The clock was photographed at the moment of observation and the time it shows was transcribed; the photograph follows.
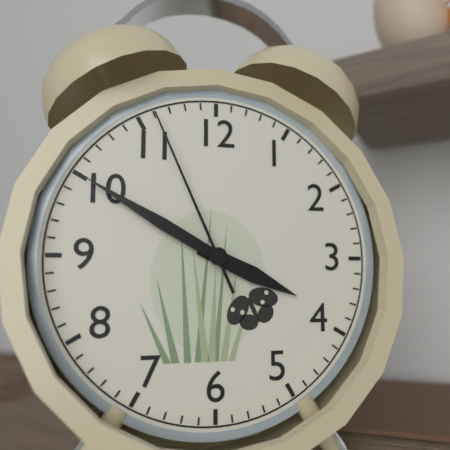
3:50:56
